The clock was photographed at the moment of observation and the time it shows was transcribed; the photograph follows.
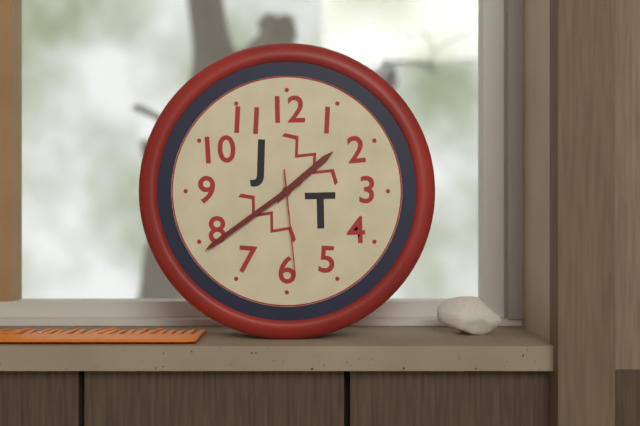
1:39:29
